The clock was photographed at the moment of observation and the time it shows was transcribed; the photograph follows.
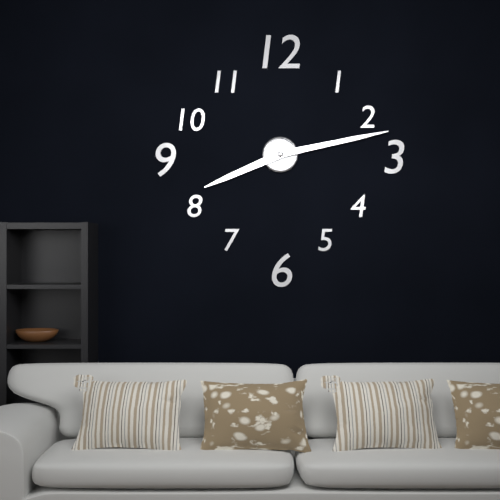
8:13
